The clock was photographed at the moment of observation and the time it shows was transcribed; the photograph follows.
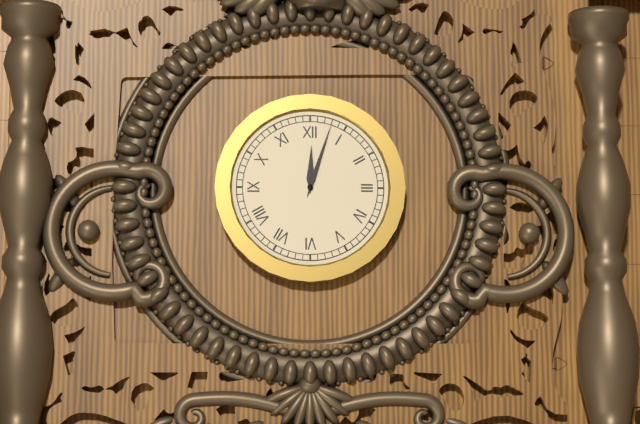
12:03
